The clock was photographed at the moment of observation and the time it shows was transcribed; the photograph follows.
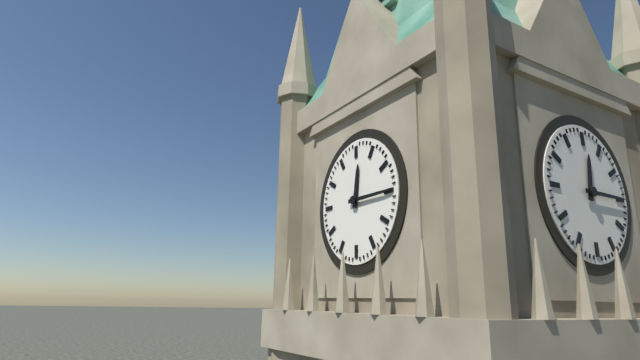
12:15
